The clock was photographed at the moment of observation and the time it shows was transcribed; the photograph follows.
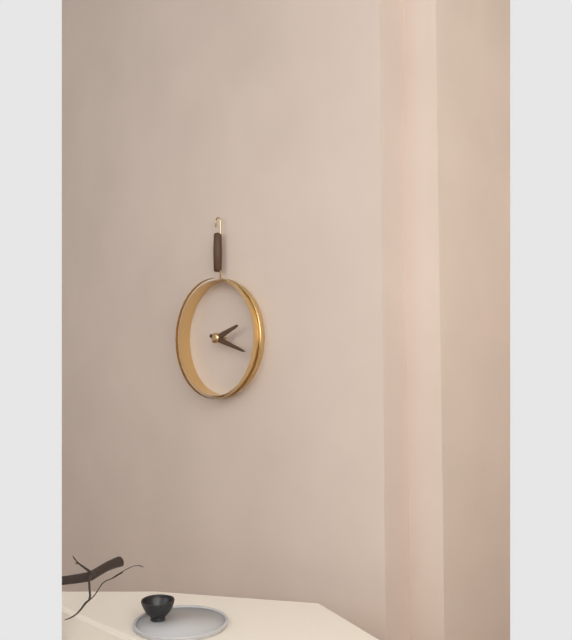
2:18
